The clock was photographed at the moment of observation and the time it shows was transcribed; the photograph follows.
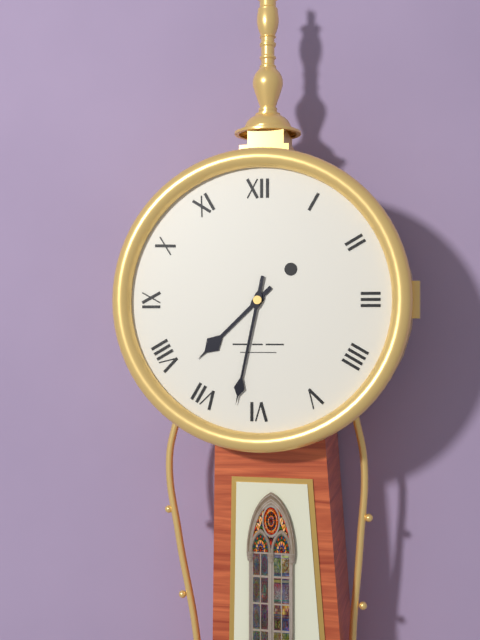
7:32
